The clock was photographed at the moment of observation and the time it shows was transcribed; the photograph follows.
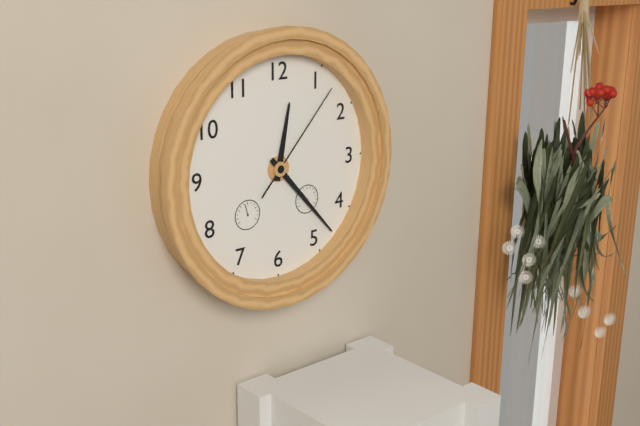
12:23:07
